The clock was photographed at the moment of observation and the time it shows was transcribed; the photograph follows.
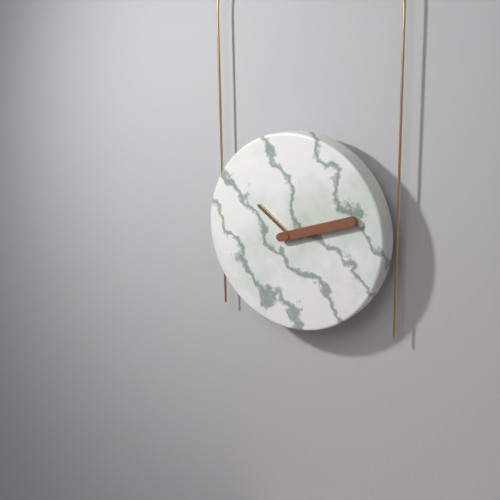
10:12
